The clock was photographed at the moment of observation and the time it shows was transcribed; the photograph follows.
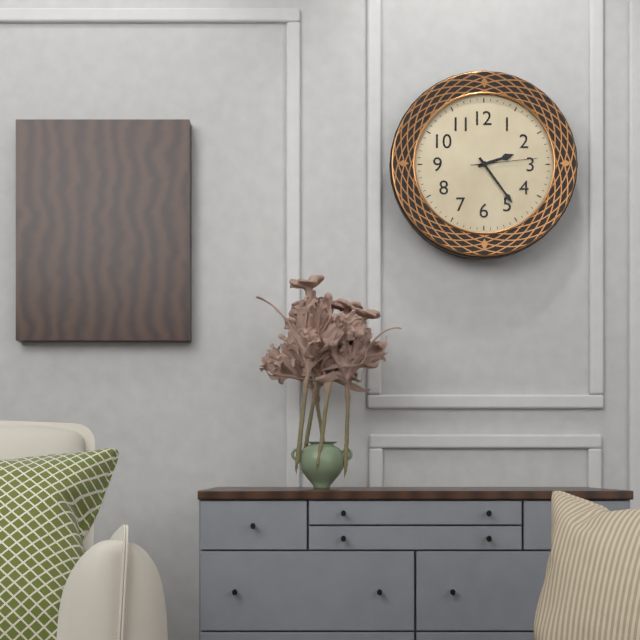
2:24:14
